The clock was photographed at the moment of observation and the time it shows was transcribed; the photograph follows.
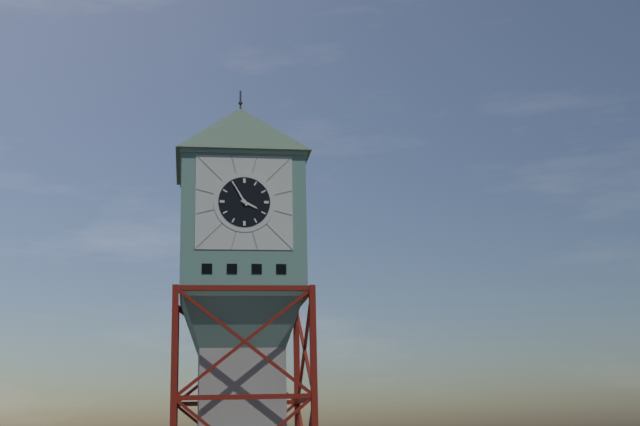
3:55
